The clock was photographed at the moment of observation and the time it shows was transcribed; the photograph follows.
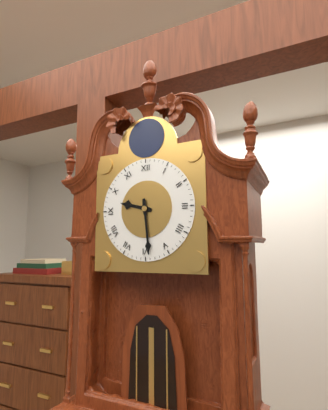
9:29
